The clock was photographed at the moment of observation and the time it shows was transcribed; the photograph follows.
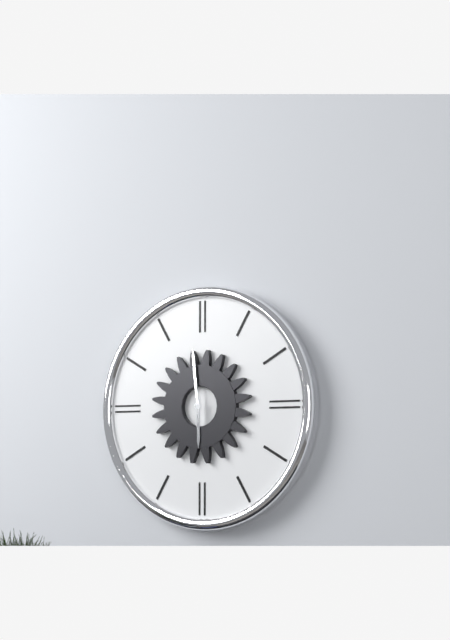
5:59
